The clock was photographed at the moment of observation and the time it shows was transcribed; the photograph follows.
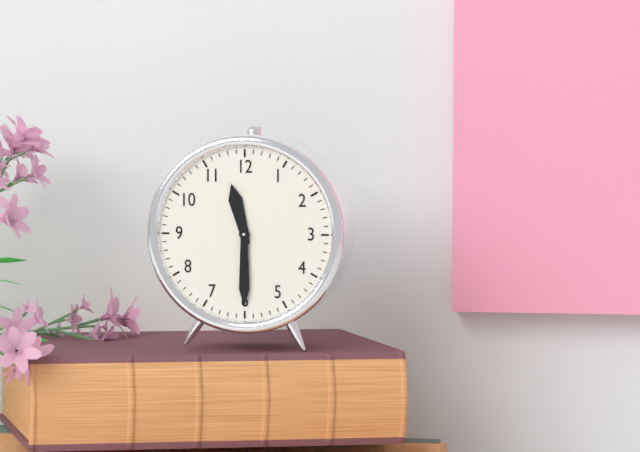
11:30
